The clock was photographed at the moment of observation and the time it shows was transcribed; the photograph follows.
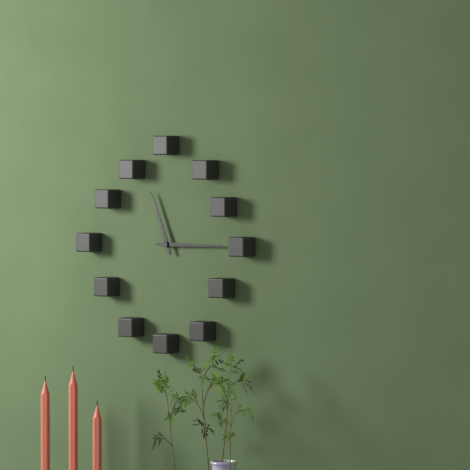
11:15
